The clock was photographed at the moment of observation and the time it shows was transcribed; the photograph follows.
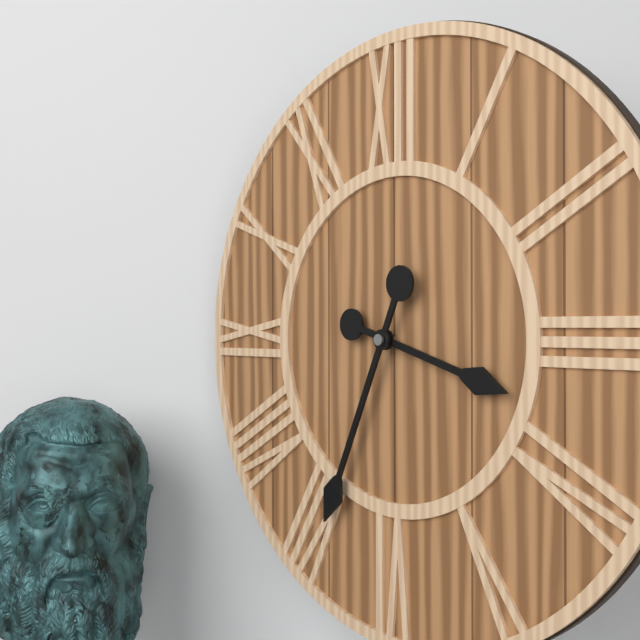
3:34
